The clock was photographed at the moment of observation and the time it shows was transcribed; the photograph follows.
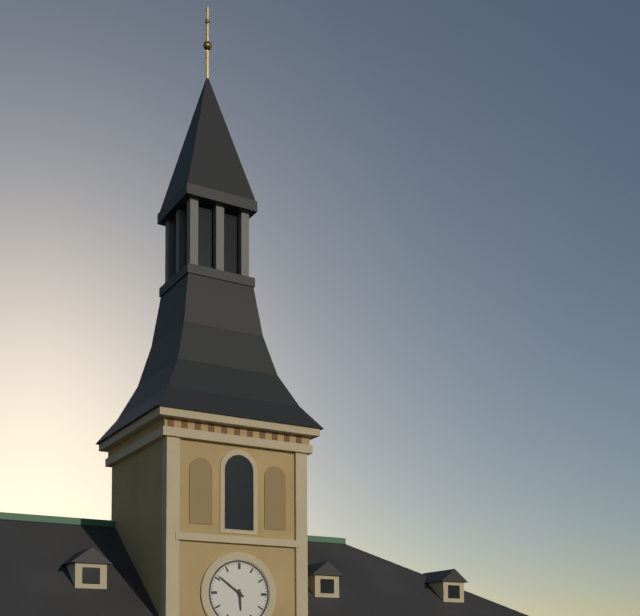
5:51
